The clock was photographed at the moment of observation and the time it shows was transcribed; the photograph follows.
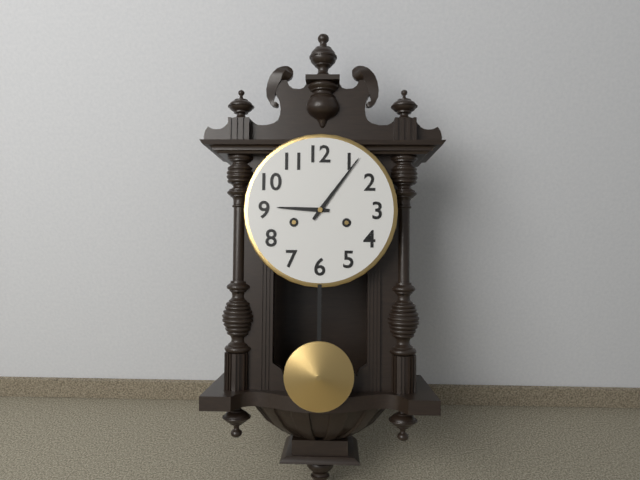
9:06
